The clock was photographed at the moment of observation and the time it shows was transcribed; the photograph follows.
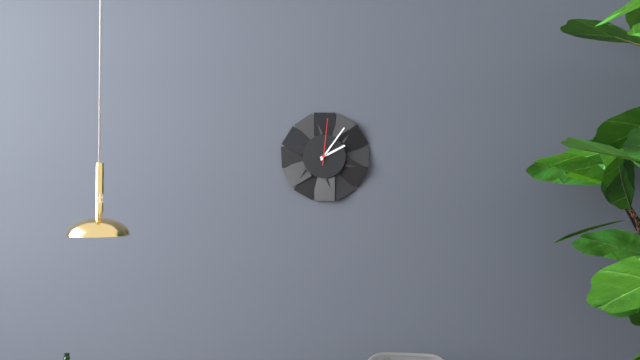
2:06
